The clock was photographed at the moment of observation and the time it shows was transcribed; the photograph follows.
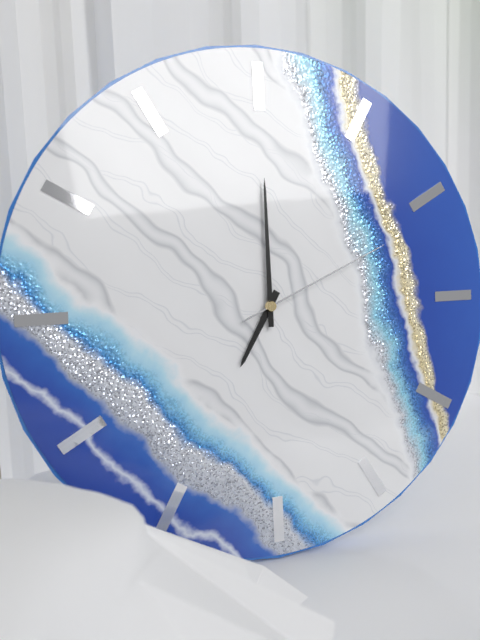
7:00:11
